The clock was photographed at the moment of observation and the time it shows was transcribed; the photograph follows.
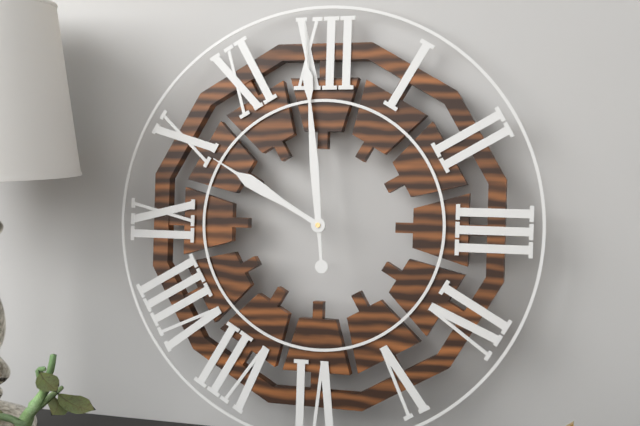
9:59
